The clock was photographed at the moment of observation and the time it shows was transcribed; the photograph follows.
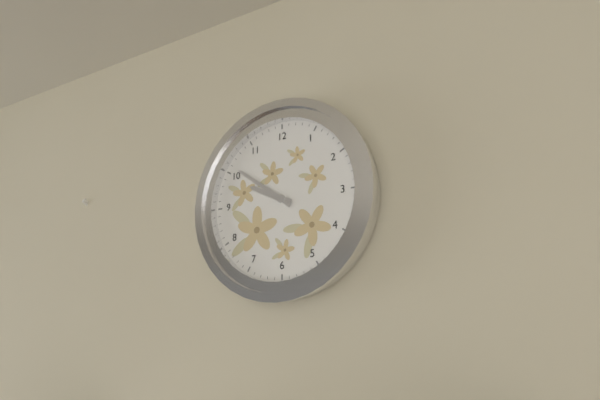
9:51
